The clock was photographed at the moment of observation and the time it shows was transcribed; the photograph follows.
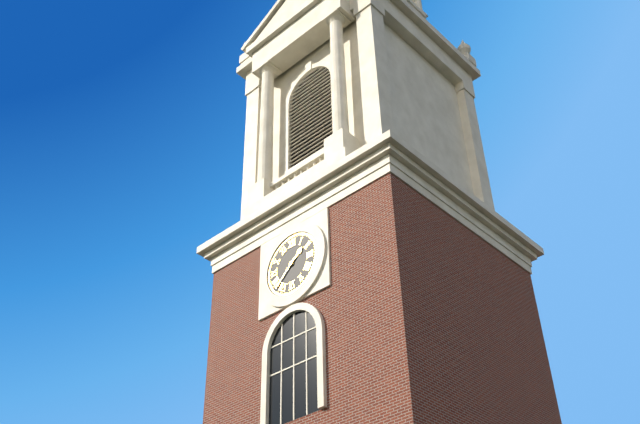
1:38
